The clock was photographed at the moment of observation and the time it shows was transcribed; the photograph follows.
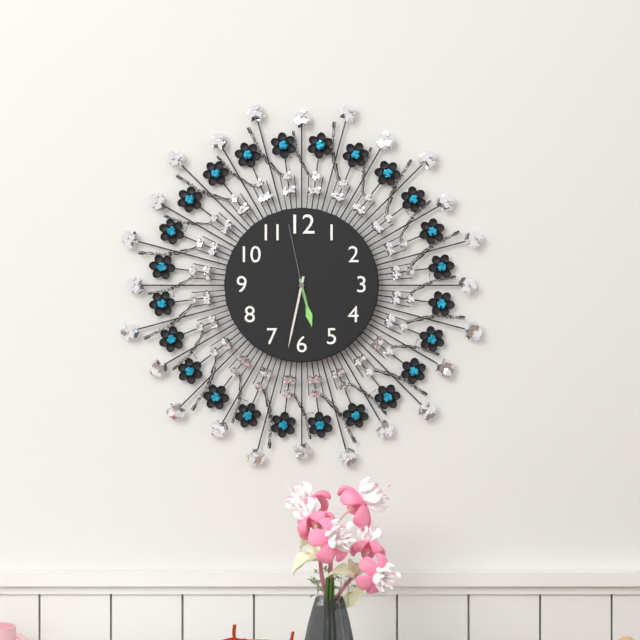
5:32:58
